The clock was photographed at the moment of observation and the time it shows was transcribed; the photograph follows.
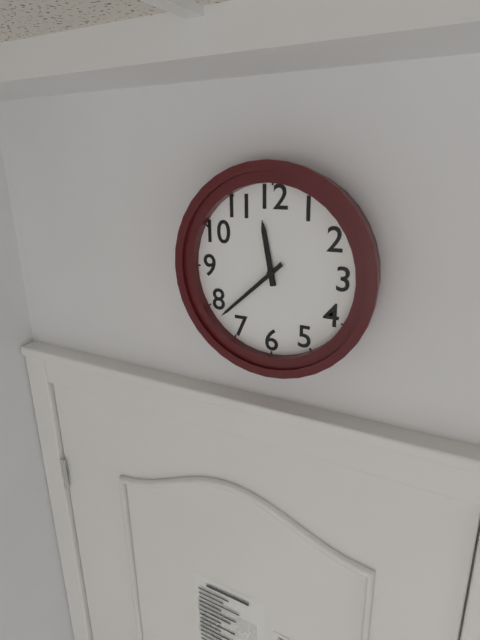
11:38
